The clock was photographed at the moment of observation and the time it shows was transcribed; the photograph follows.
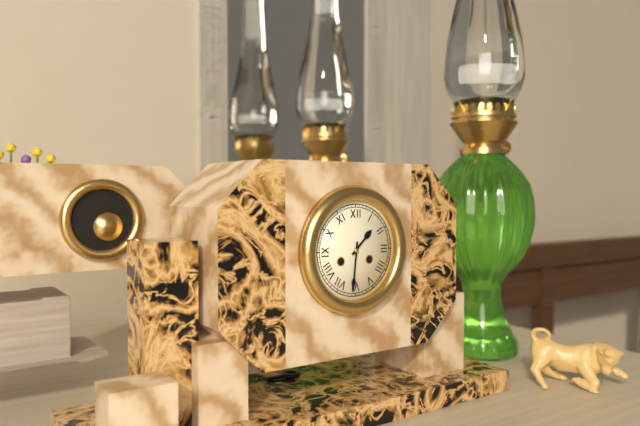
1:31
